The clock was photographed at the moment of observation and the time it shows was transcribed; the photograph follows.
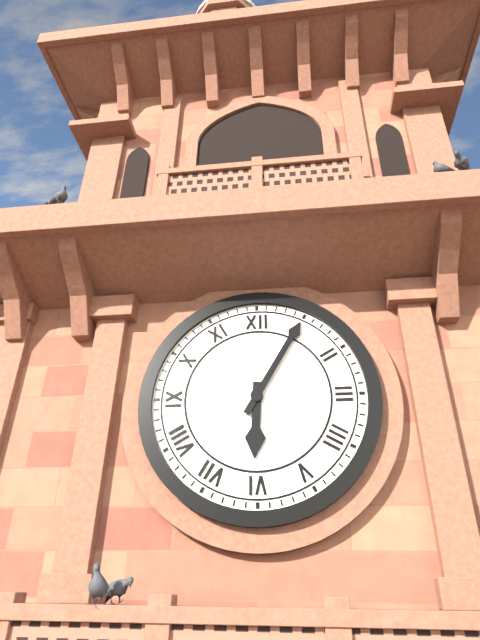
6:05
